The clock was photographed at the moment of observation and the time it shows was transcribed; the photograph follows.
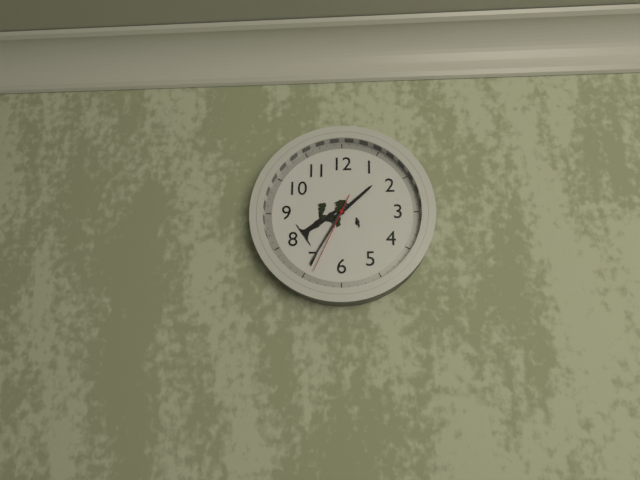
1:35:34
